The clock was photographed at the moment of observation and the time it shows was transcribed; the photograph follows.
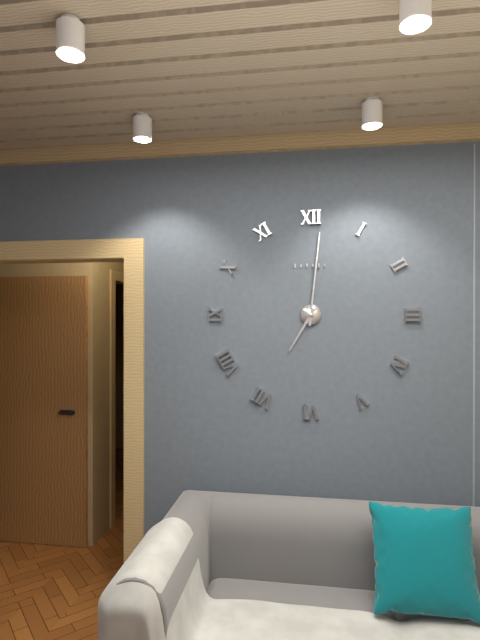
7:01
